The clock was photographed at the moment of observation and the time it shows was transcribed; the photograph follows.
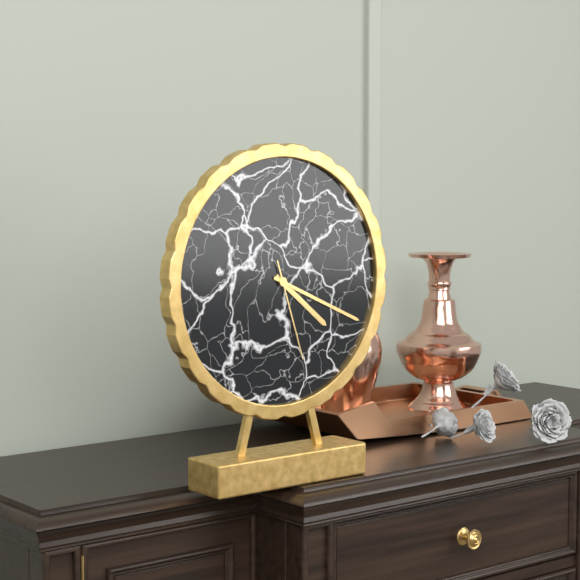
4:19:27
